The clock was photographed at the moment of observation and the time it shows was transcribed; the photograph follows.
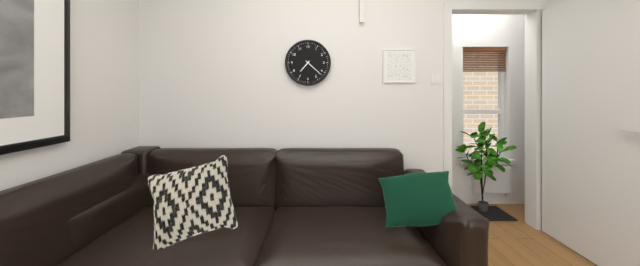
7:22
